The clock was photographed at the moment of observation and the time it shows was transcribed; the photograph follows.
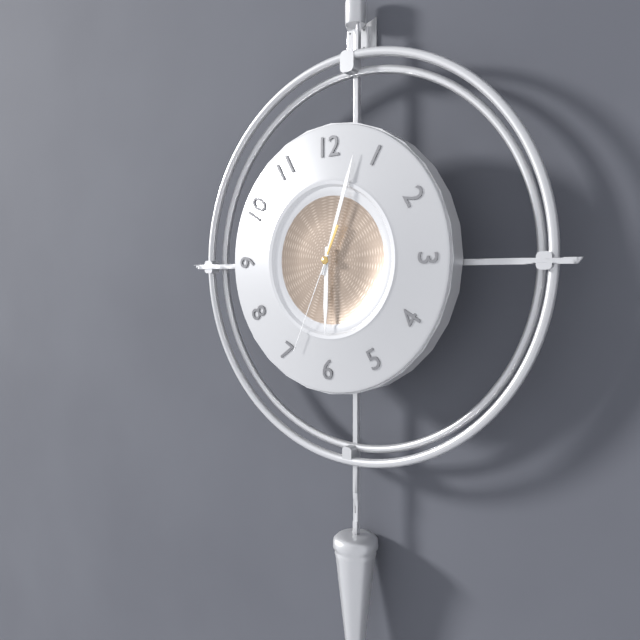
6:03:34
